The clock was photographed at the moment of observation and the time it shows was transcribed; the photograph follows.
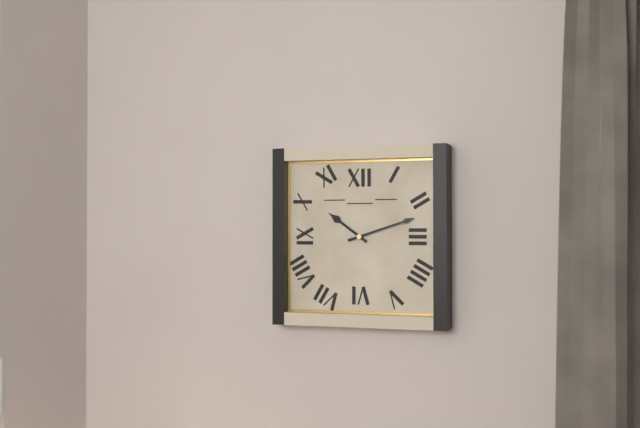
10:12
